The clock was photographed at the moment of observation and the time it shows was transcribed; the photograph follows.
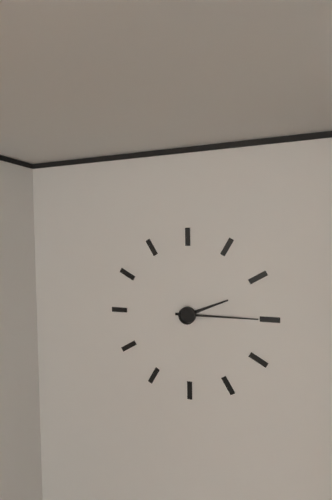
2:15
